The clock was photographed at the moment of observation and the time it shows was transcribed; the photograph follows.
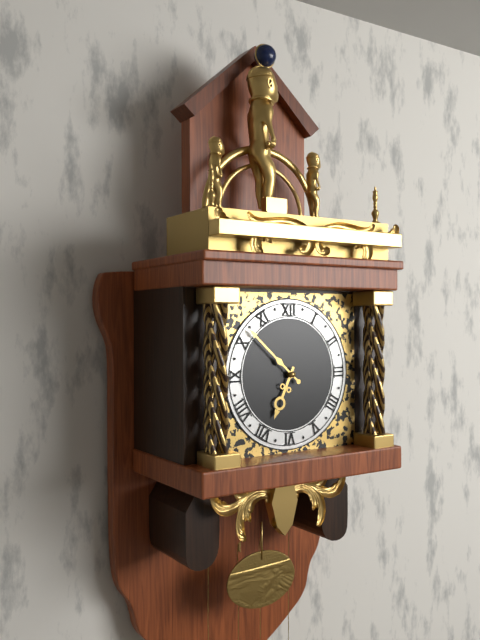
6:52
